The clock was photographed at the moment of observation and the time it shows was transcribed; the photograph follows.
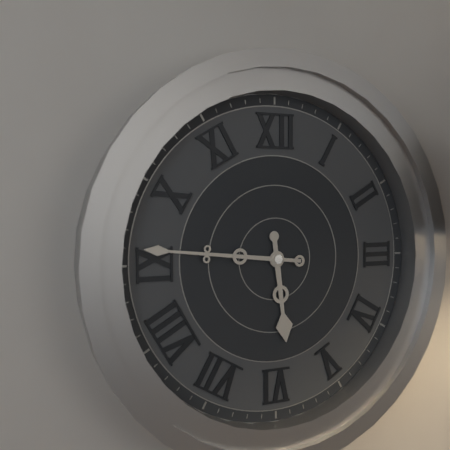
5:46
